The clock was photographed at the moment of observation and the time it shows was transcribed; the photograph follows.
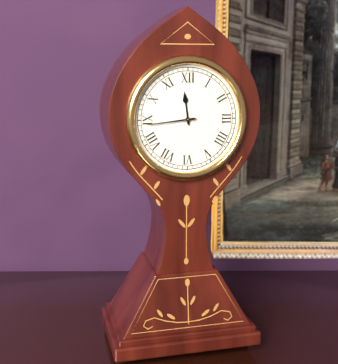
11:44
